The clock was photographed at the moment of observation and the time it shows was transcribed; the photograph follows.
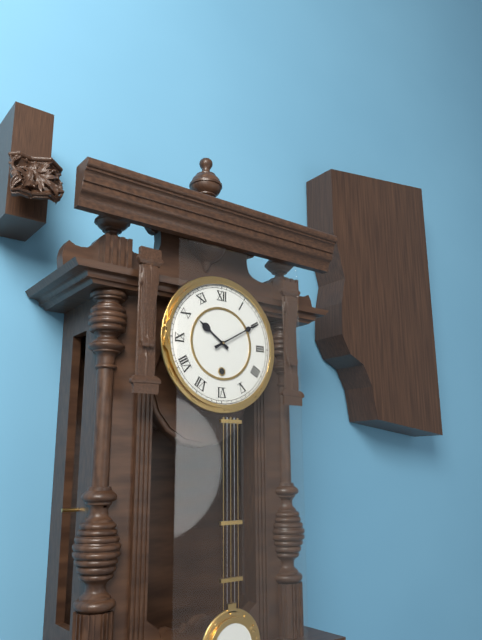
10:10
